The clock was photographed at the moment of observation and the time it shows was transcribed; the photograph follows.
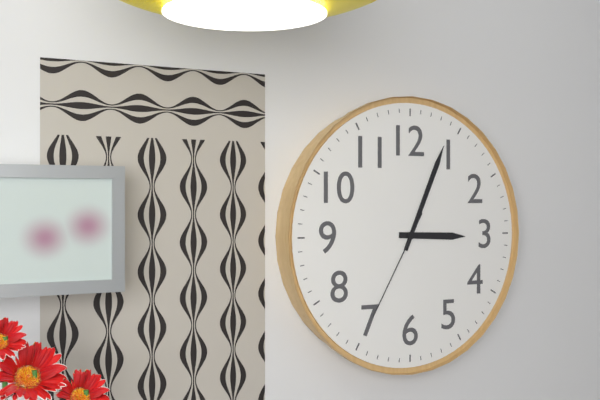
3:04:35
